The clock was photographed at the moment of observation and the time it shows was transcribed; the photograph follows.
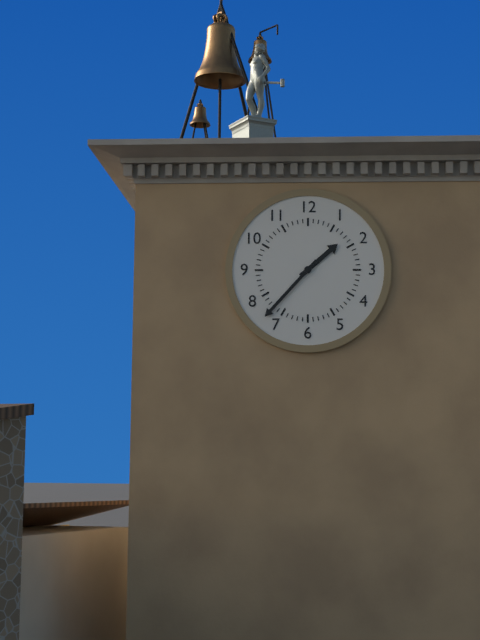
1:37
